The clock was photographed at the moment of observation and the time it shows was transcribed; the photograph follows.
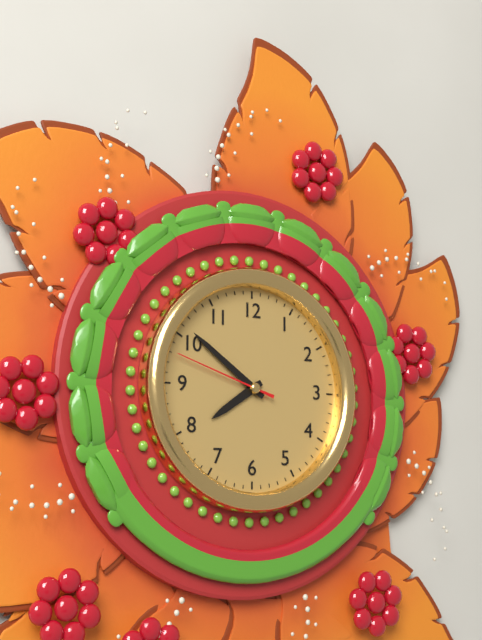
7:51:48
